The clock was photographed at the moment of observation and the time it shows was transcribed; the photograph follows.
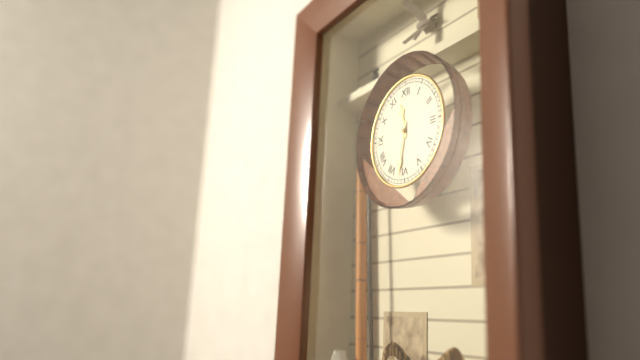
11:32
